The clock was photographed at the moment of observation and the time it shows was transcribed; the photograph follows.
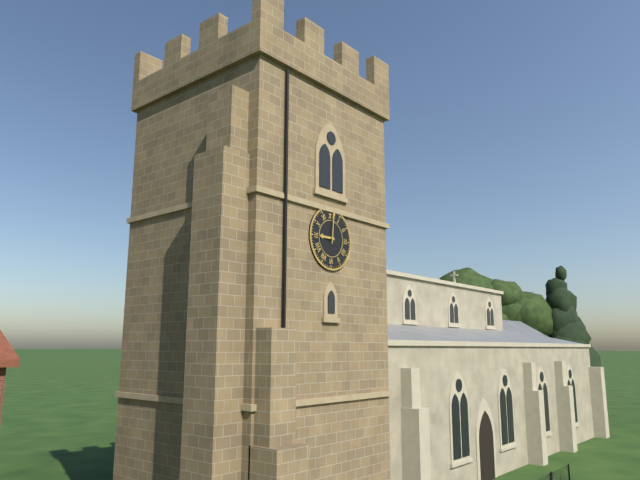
9:01
